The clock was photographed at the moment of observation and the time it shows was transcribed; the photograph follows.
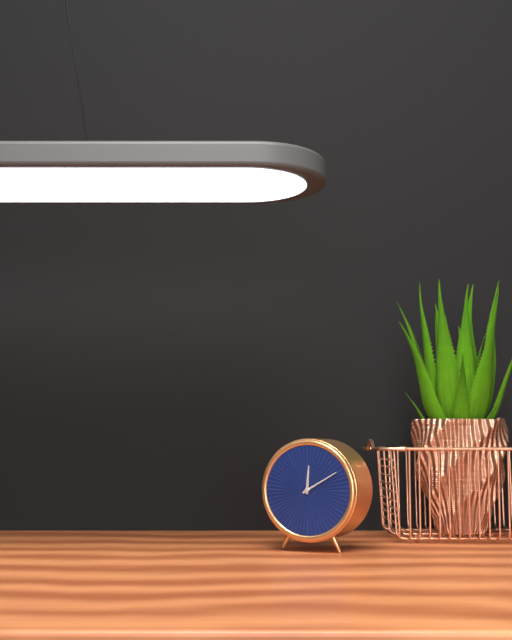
12:10
